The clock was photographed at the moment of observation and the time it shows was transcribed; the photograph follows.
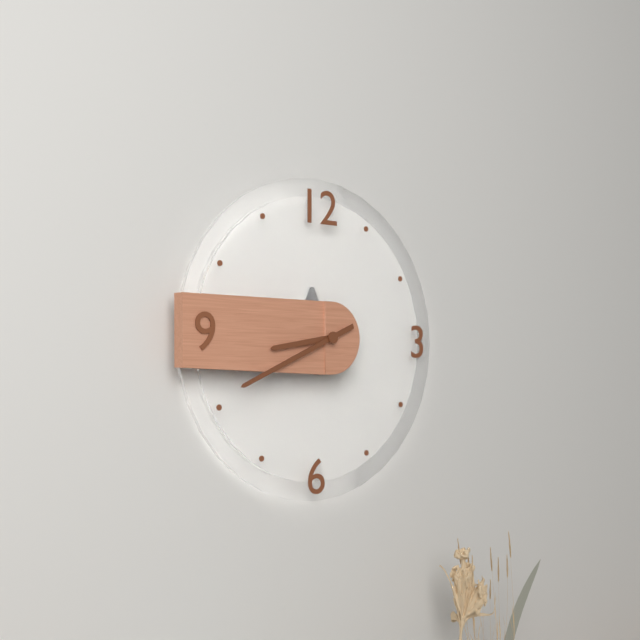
8:41
